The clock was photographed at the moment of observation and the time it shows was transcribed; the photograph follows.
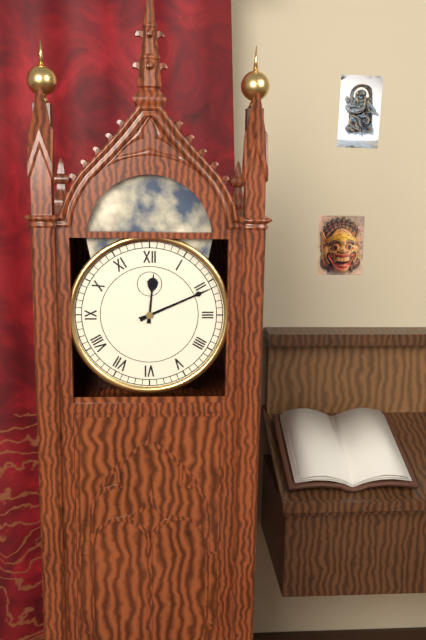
12:11
